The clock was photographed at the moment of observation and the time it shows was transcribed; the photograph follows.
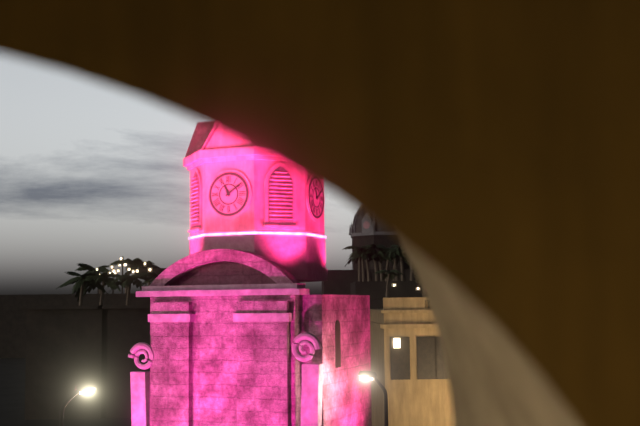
11:09
